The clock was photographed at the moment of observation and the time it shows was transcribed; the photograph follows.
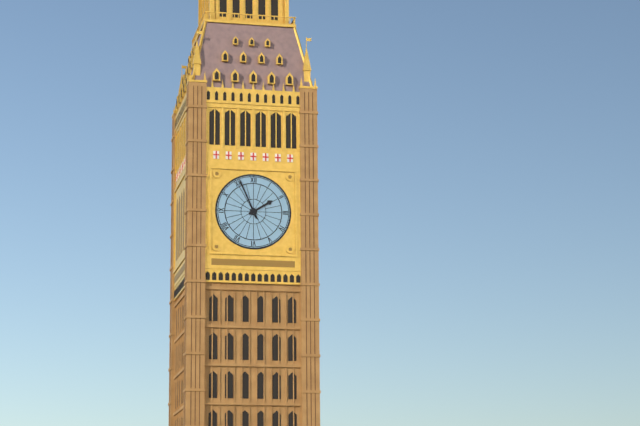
1:56
